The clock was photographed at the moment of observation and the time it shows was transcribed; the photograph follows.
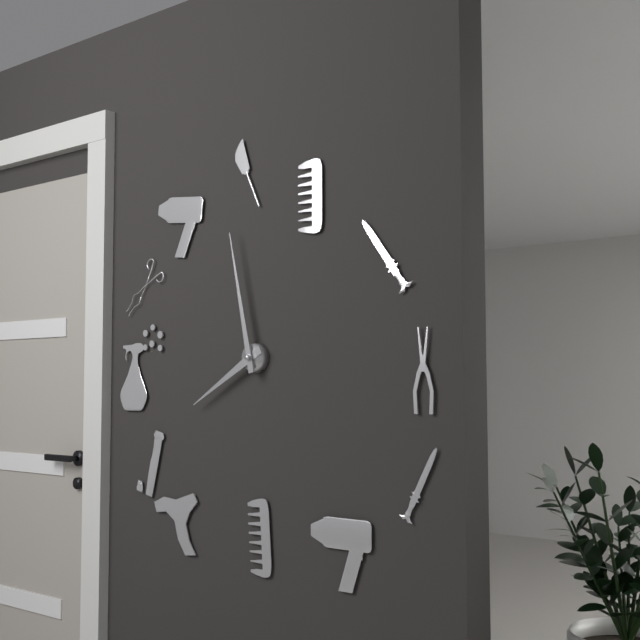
7:58
